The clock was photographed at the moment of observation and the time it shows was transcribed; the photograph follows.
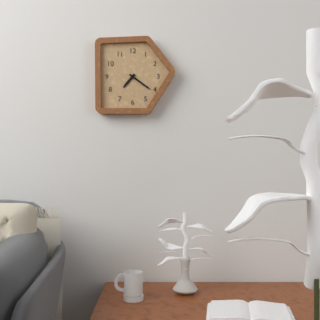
7:21
